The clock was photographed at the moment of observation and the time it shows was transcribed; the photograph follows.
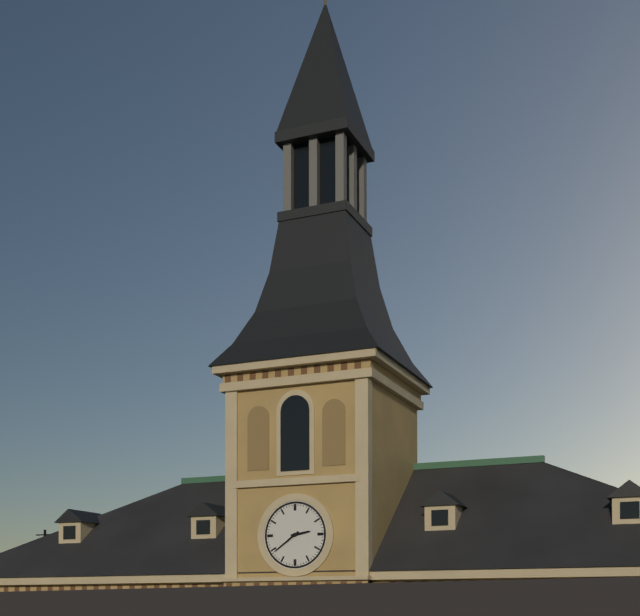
2:39
